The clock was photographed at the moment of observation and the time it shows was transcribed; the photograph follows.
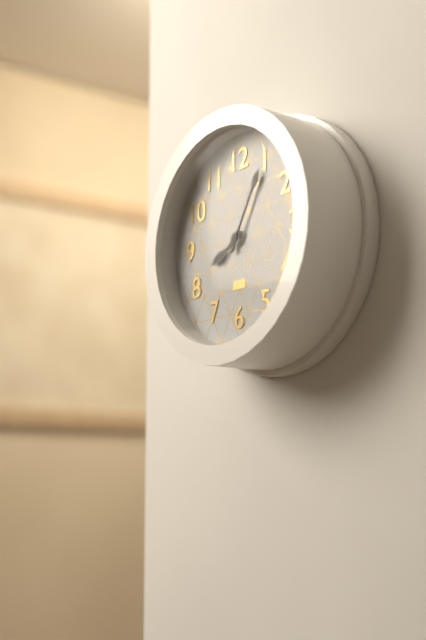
8:05
